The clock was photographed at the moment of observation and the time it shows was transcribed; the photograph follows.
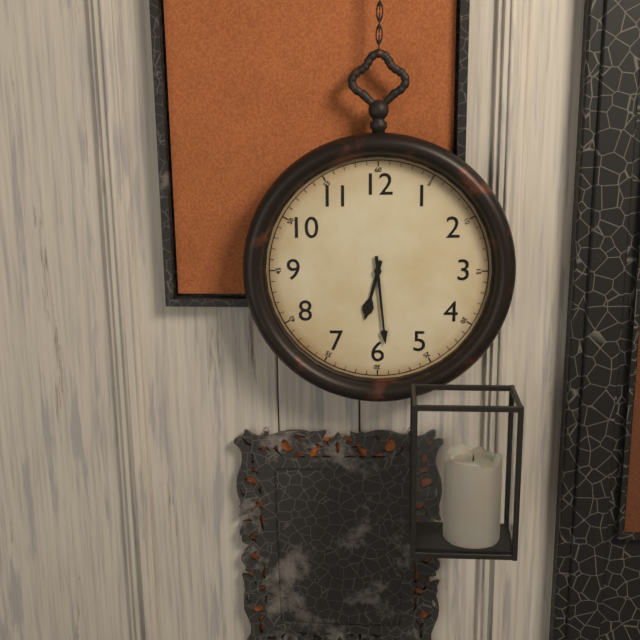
6:29
